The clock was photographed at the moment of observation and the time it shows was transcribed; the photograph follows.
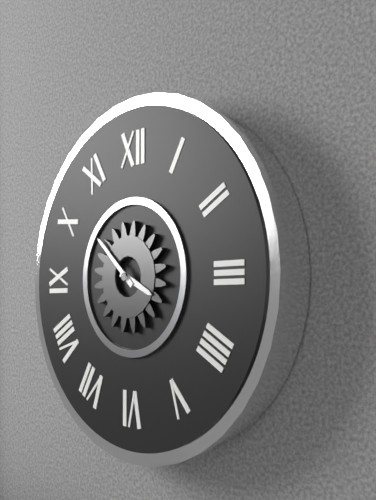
3:52
